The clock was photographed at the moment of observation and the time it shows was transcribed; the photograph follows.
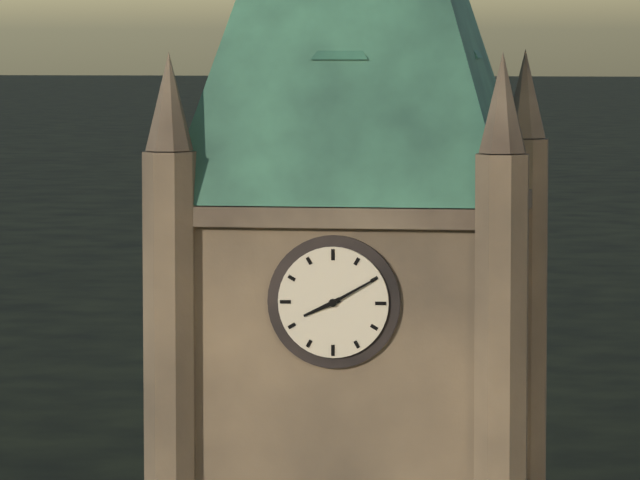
8:10
